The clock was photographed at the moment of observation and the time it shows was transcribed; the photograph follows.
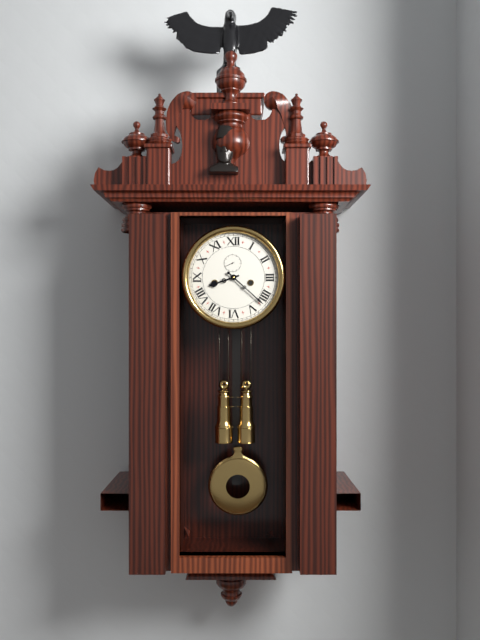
8:22
